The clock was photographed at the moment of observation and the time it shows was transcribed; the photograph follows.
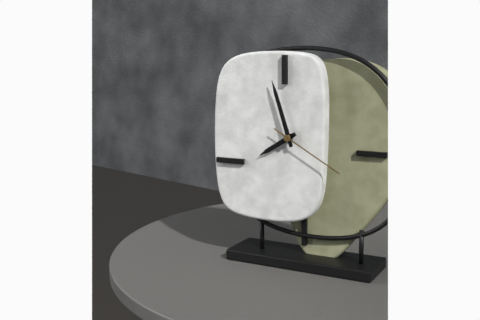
7:57:20
